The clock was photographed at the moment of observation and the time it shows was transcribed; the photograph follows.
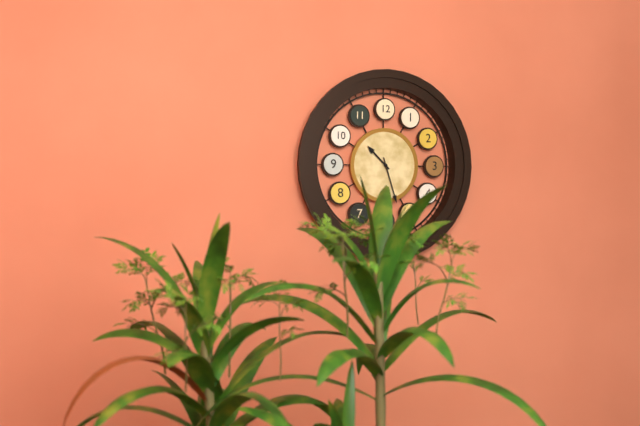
10:27
